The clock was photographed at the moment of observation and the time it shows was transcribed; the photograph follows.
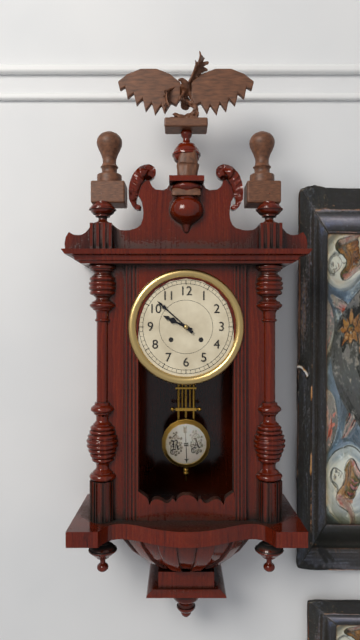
9:52
